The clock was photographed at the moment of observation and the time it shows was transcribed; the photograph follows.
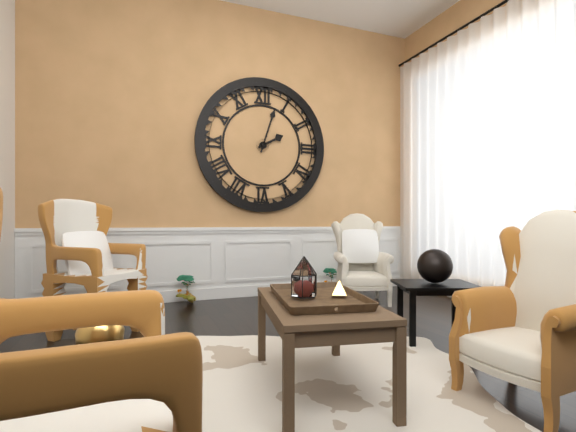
2:03
